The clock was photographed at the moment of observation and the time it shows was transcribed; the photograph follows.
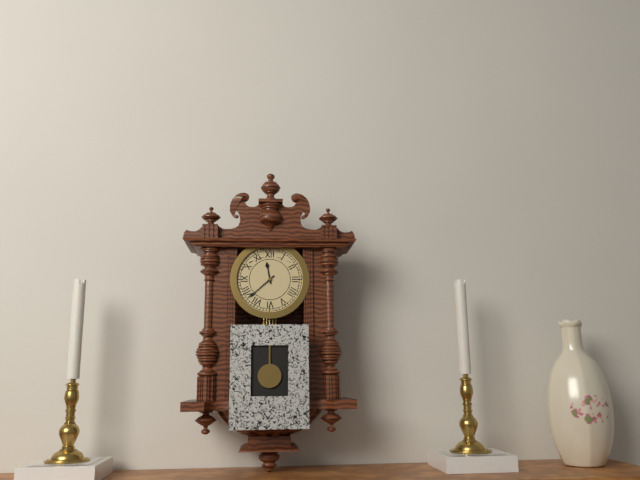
11:38
